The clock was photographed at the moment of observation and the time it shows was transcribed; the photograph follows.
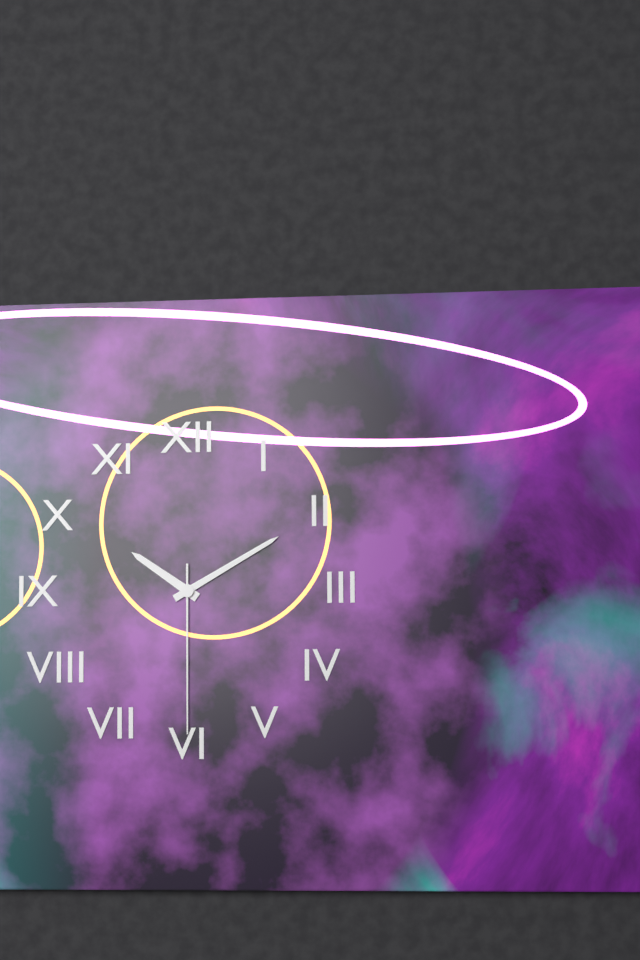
10:10:30
